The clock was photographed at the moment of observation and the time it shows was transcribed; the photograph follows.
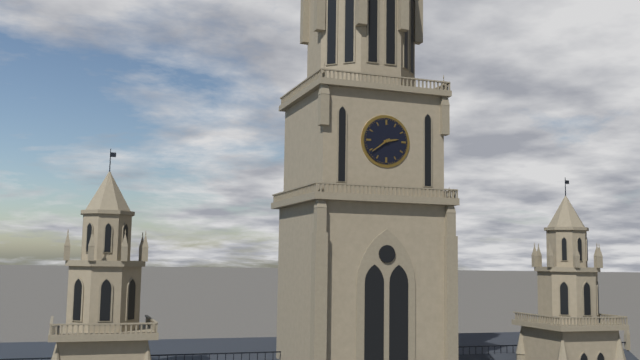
2:39
